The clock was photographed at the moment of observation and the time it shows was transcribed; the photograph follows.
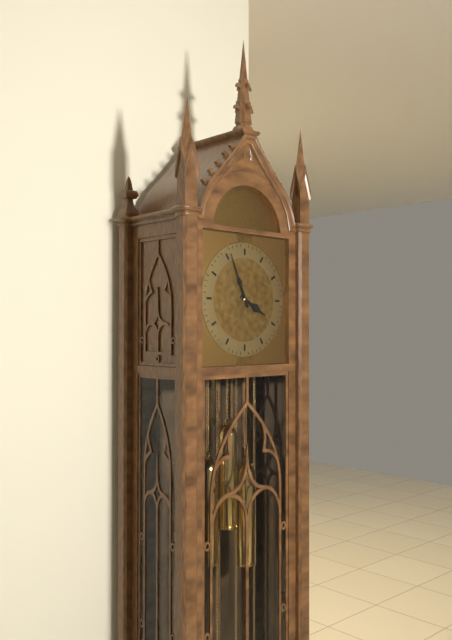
3:56
